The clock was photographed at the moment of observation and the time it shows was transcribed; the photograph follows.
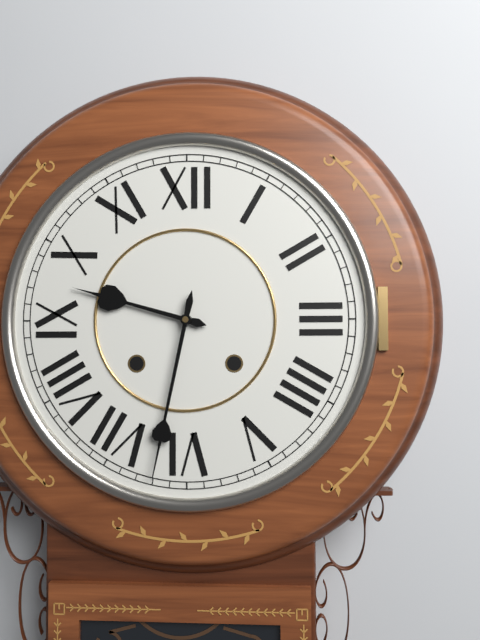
9:32
